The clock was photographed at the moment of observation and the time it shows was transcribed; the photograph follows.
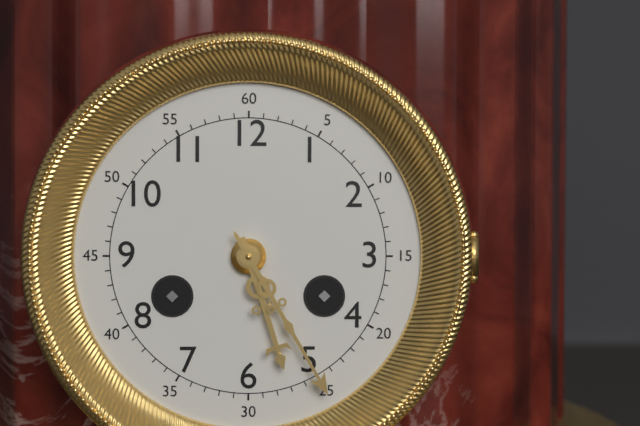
5:25
